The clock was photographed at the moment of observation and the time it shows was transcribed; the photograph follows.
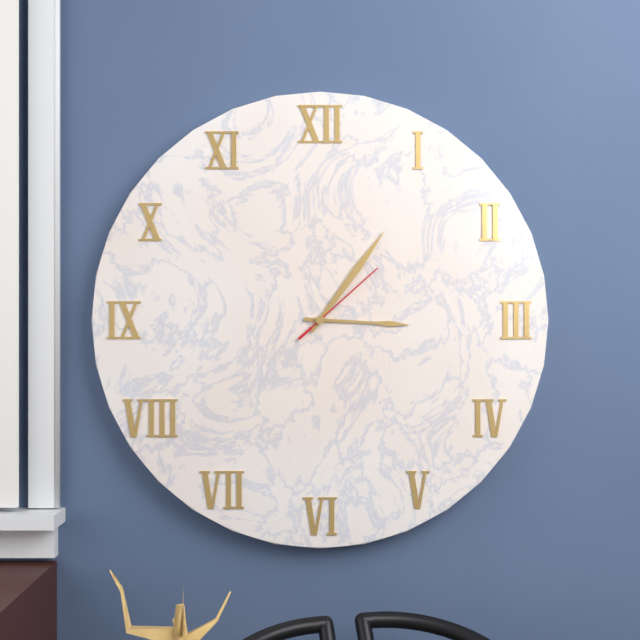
3:06:08
